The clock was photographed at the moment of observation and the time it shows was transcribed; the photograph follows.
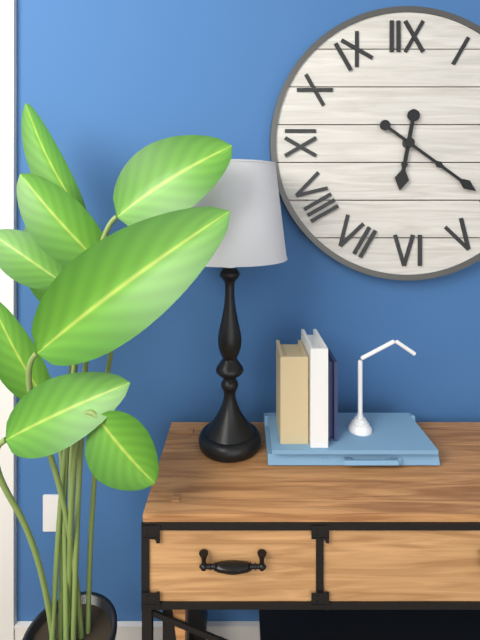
6:21
